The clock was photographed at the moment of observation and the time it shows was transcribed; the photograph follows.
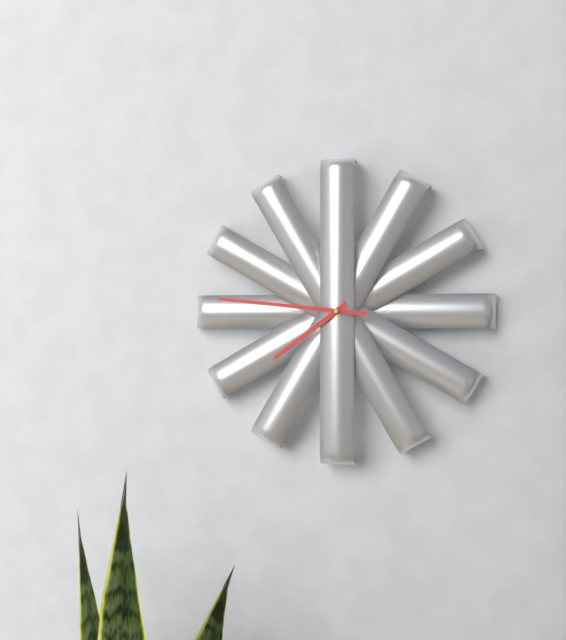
7:46
